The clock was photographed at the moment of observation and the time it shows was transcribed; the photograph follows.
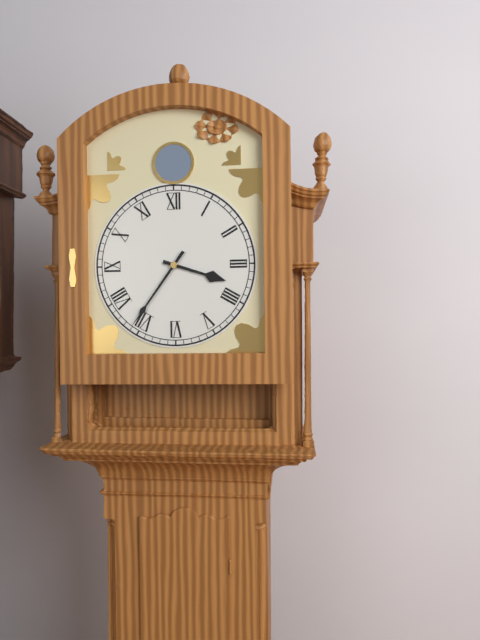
3:36
